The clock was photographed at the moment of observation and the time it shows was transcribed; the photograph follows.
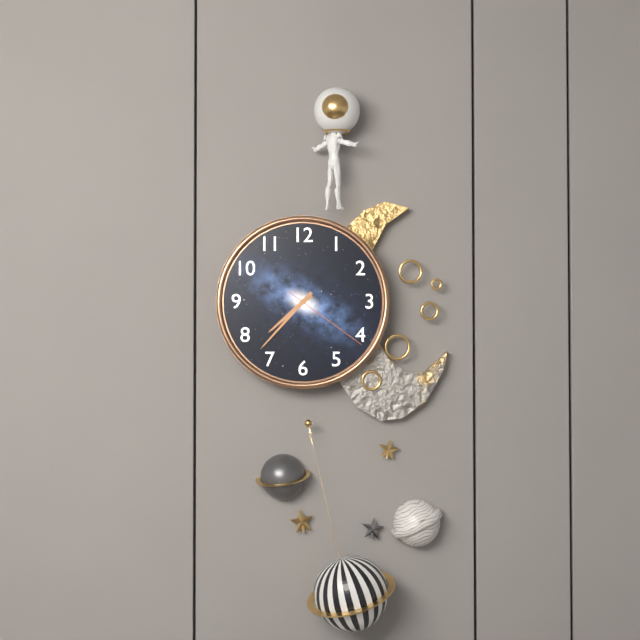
7:37:21
